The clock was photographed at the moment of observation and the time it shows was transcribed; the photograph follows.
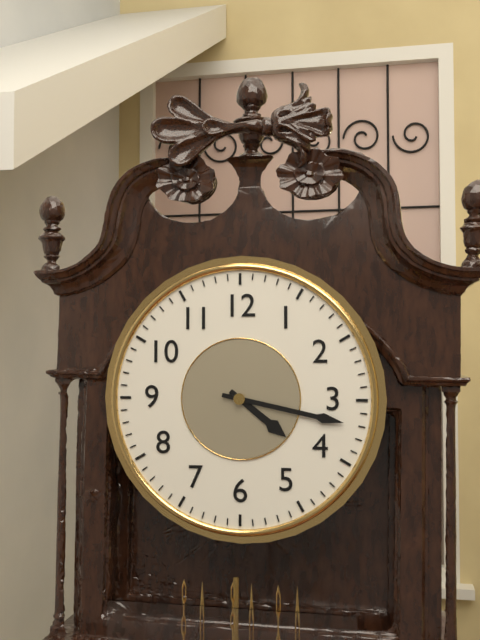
4:17
